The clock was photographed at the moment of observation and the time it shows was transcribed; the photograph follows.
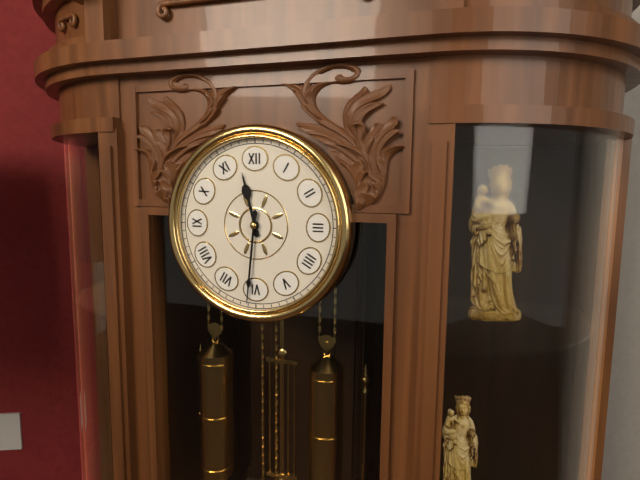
11:31
